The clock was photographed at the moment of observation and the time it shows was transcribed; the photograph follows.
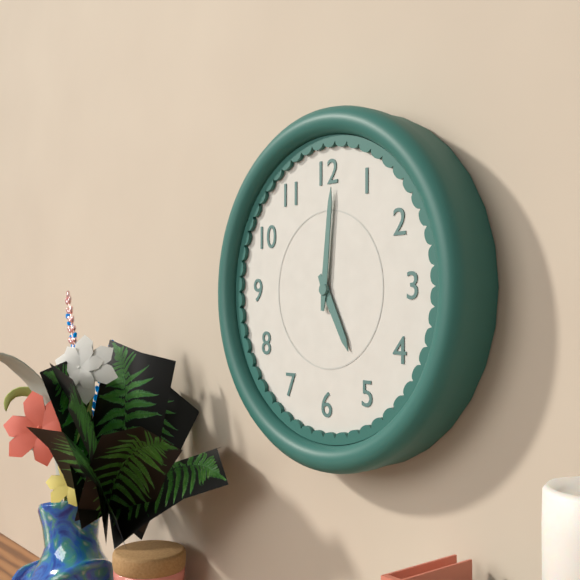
5:01
